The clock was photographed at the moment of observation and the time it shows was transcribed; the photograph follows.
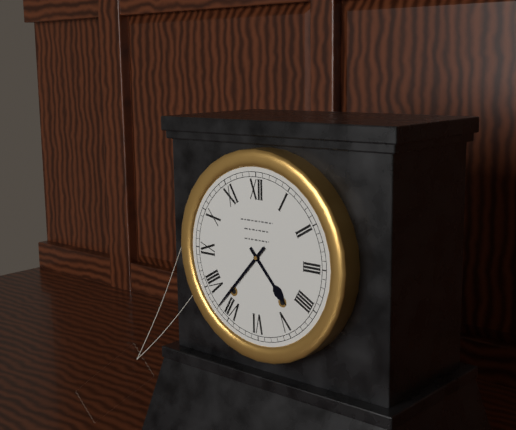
4:37
